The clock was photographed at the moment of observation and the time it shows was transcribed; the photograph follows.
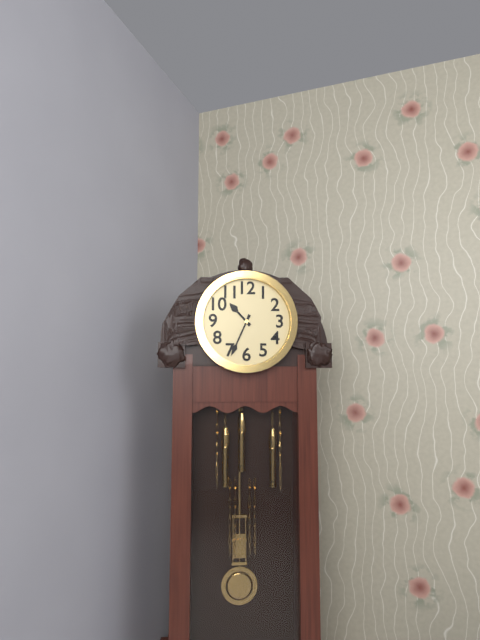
10:34
